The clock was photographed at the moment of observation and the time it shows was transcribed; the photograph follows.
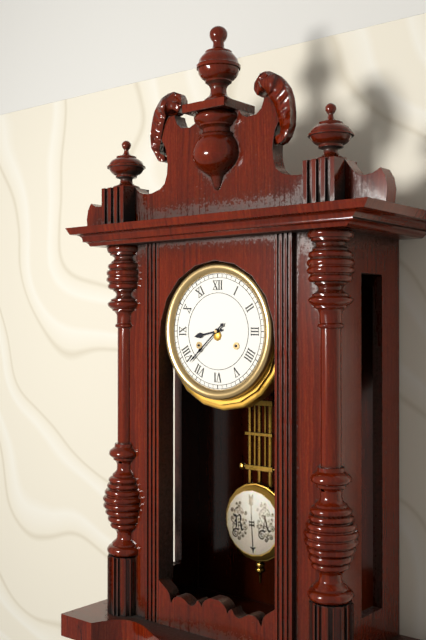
8:38
